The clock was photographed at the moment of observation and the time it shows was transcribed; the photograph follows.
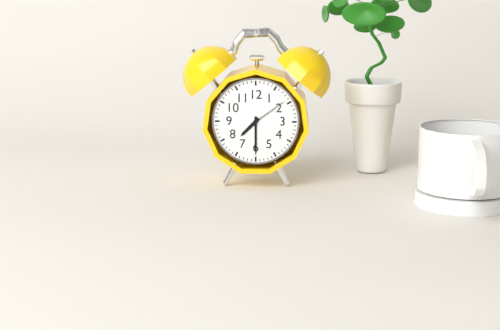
7:30
